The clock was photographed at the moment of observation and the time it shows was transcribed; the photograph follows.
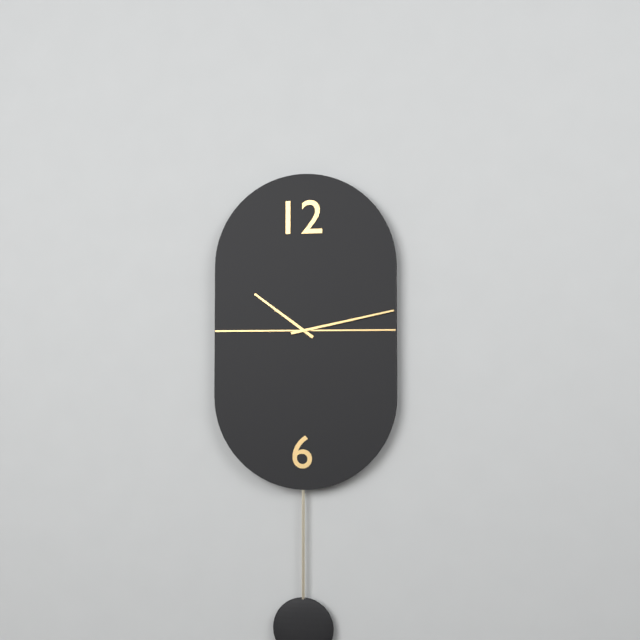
10:13
